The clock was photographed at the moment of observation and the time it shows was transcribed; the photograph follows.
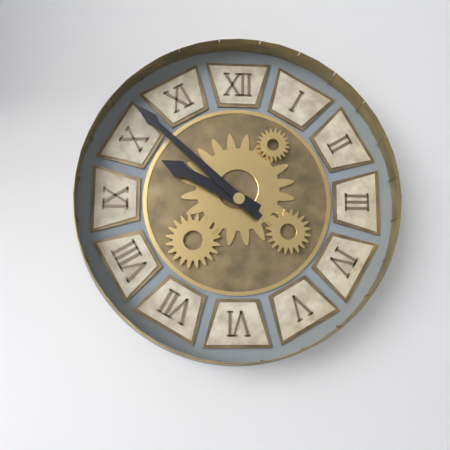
9:52
